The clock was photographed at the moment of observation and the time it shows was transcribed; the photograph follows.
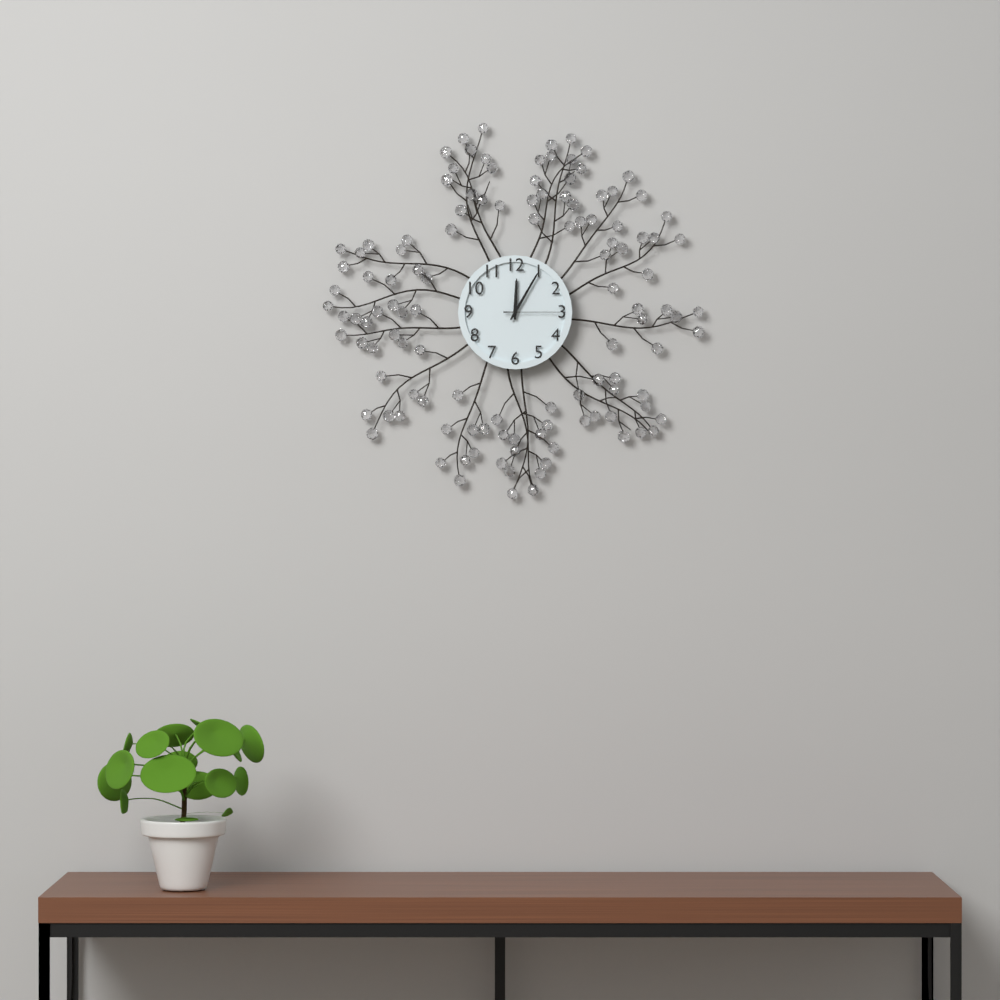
12:05:15
